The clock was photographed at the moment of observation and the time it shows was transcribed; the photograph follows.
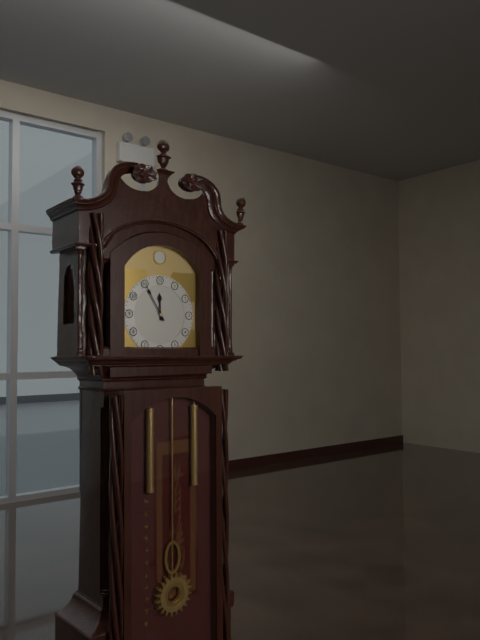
11:55
